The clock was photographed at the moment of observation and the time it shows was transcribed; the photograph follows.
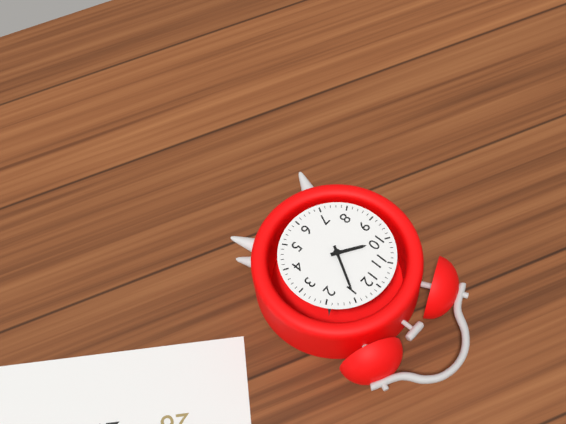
10:05
